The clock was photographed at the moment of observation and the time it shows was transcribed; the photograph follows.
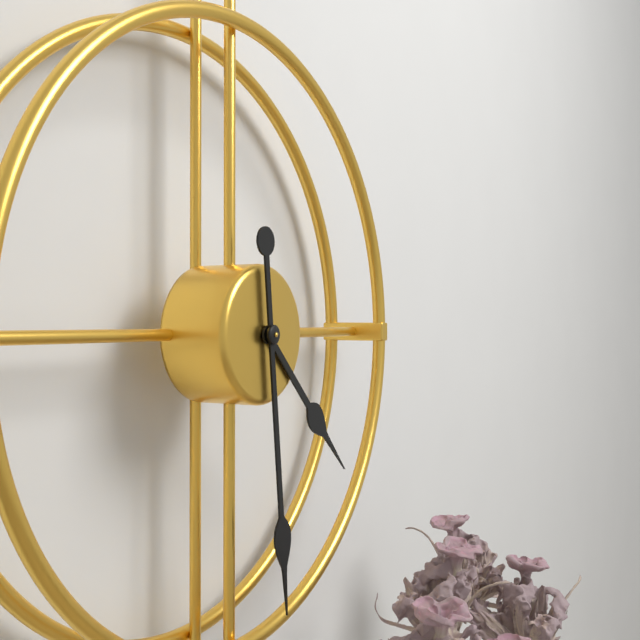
4:29
